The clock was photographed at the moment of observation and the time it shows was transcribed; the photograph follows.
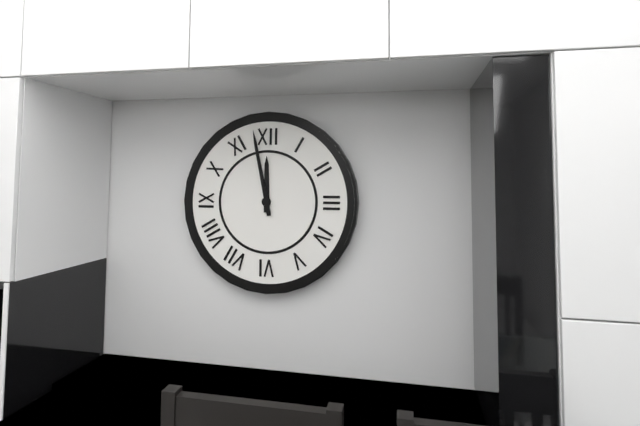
11:58
